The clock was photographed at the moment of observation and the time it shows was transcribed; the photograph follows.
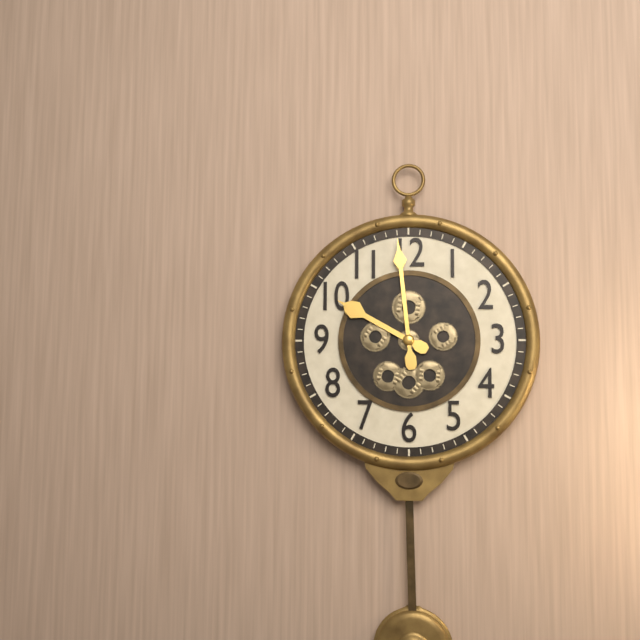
9:59
